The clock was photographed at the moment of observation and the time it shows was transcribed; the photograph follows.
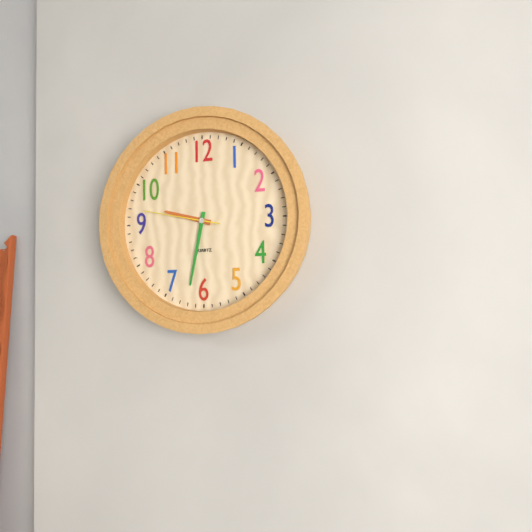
9:32:47
